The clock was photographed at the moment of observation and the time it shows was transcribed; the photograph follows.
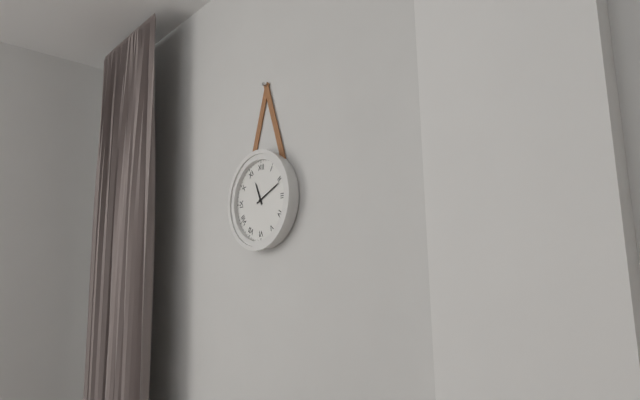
11:11
